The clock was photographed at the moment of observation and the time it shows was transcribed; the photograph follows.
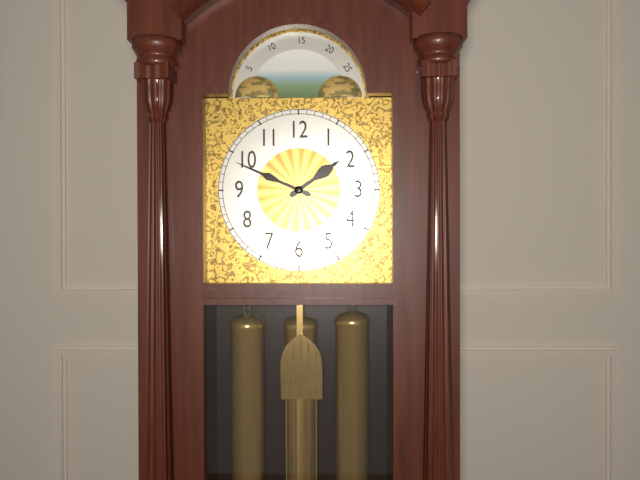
1:49
